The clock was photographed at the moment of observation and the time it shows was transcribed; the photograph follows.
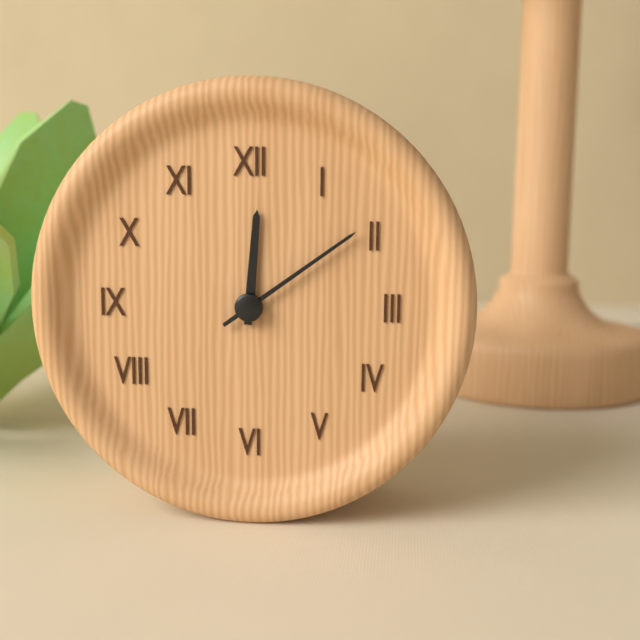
12:09
